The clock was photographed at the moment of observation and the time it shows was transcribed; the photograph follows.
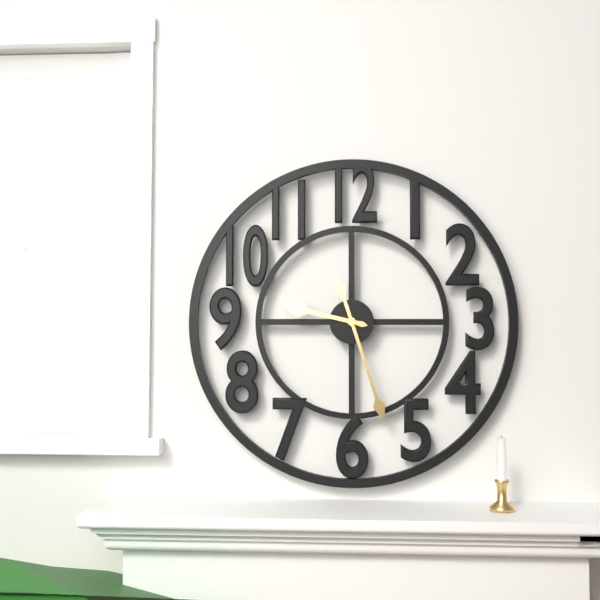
9:27
